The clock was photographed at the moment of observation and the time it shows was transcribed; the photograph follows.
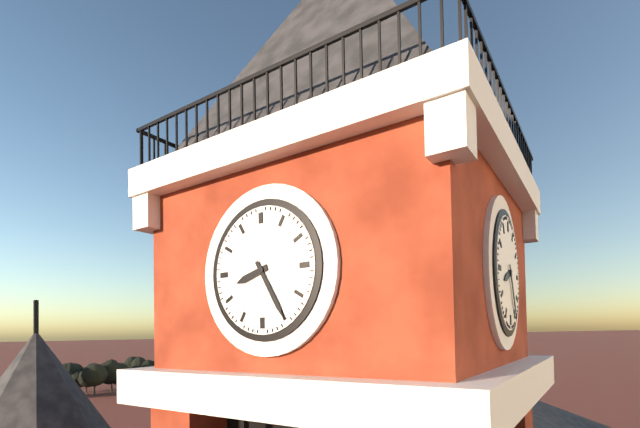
8:25
